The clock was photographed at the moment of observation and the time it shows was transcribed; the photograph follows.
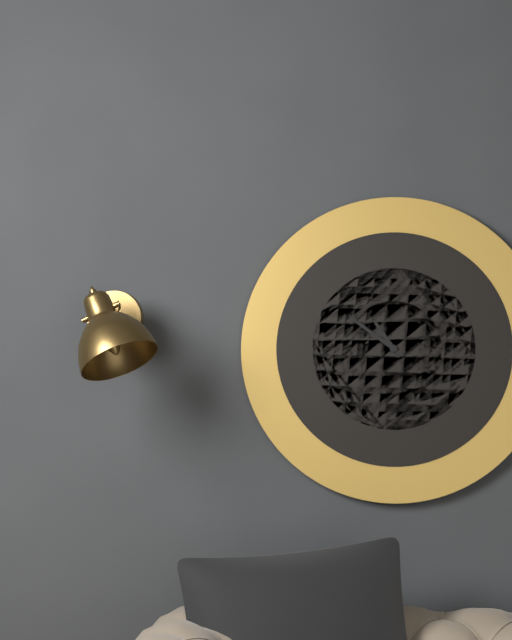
10:51
